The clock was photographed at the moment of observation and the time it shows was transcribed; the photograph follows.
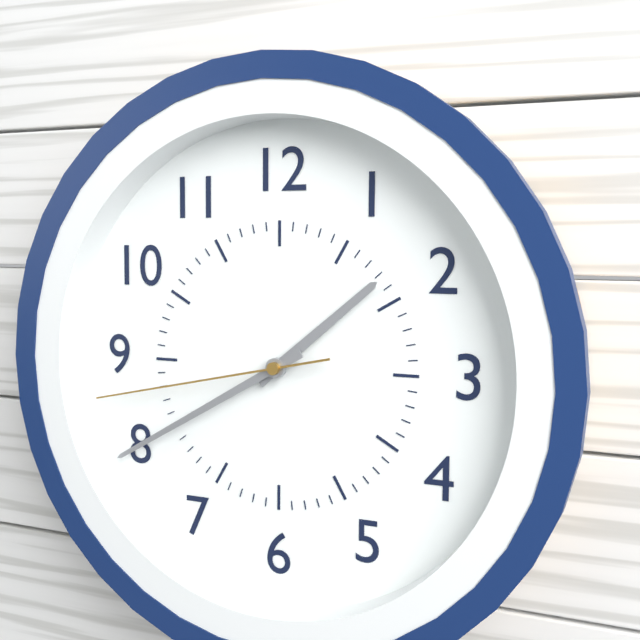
1:40:43
